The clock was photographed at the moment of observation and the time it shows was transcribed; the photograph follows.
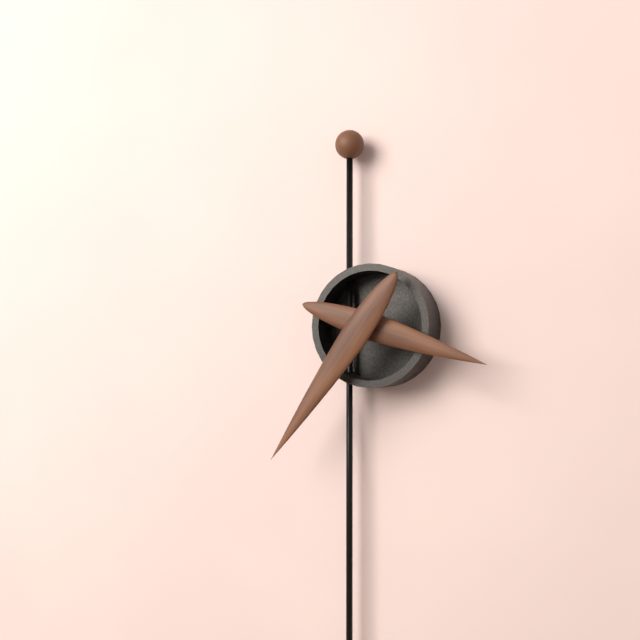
3:36
